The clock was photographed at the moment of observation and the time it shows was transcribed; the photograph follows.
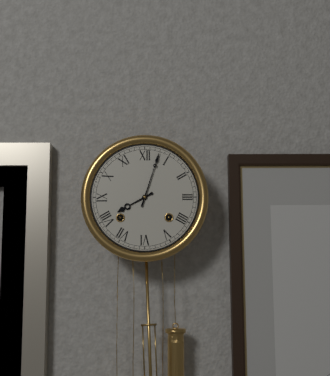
8:03
